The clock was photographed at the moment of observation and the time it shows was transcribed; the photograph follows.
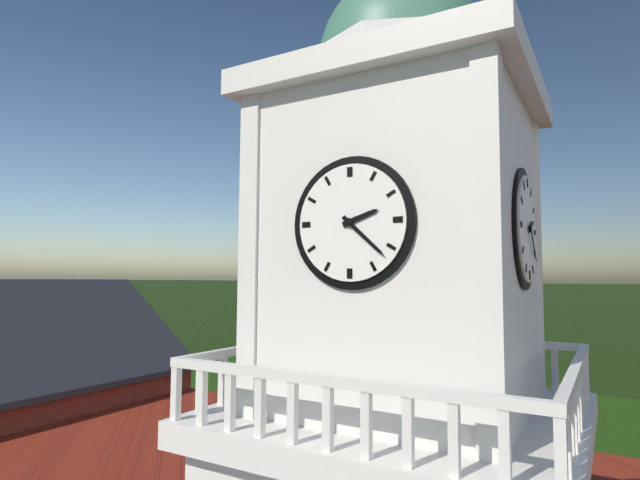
2:22
